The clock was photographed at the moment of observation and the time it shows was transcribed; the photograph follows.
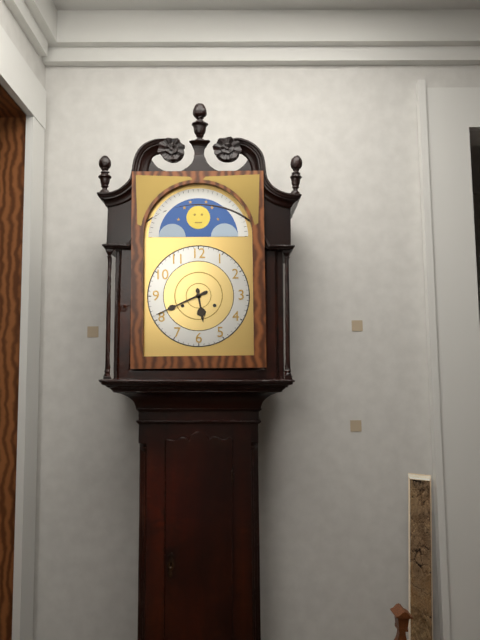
5:41
